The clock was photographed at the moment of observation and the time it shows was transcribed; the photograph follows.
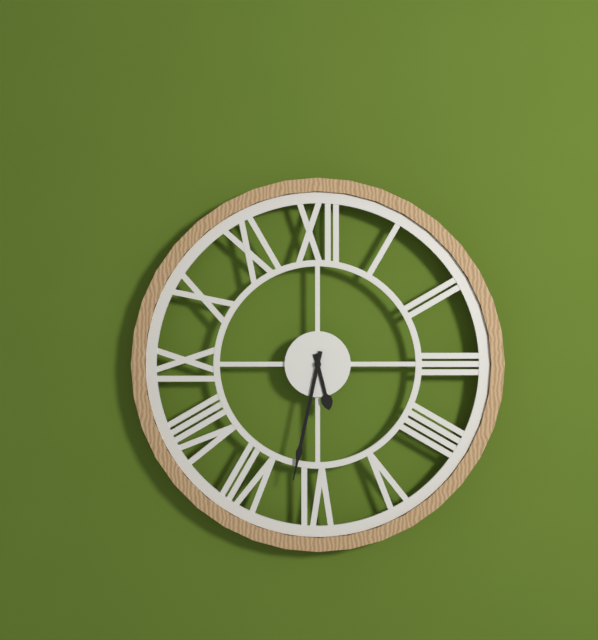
5:32
